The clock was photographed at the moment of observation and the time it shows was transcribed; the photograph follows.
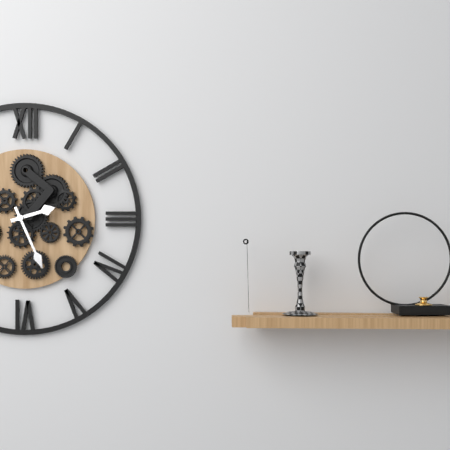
2:26
